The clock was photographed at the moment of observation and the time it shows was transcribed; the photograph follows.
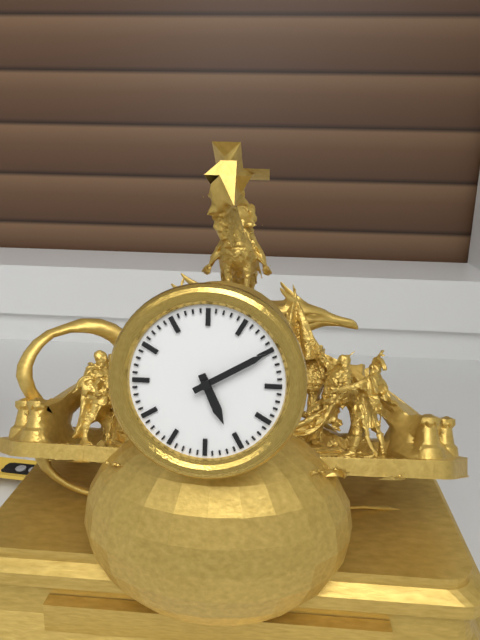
5:10
